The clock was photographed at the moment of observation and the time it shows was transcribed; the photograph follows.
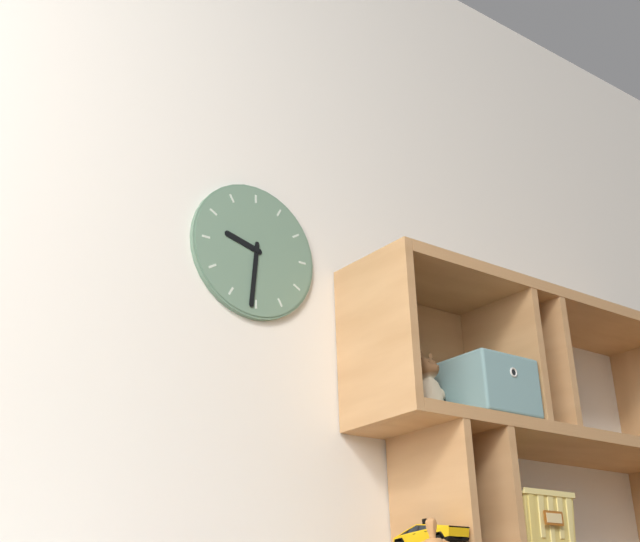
9:31
